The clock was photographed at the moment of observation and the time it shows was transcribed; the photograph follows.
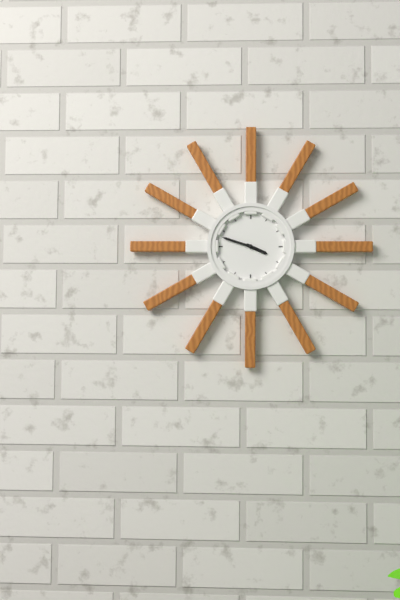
3:48
